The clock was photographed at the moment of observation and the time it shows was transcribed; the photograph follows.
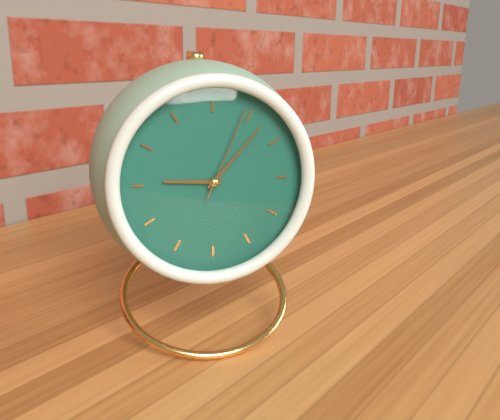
9:07:04
